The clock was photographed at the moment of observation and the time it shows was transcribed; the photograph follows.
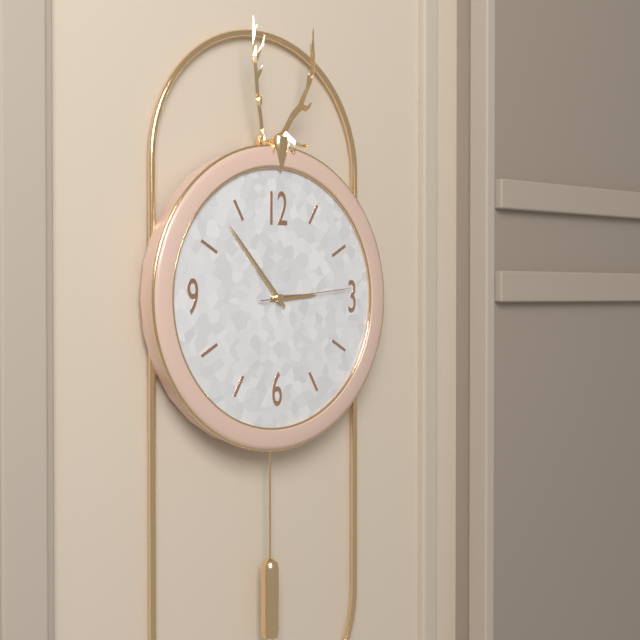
2:53:14
